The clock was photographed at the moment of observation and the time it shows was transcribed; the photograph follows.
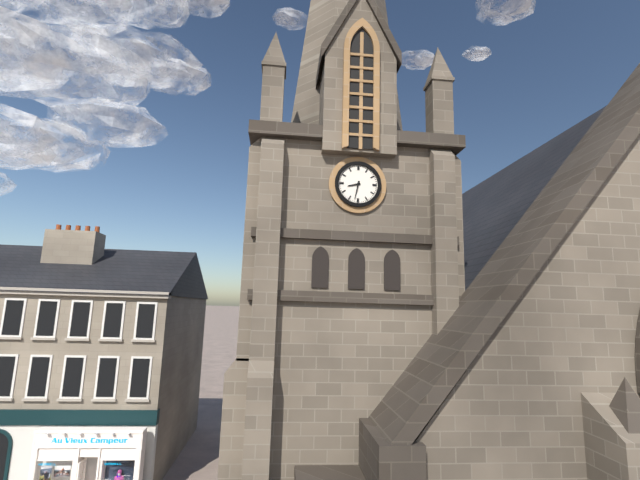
8:32
